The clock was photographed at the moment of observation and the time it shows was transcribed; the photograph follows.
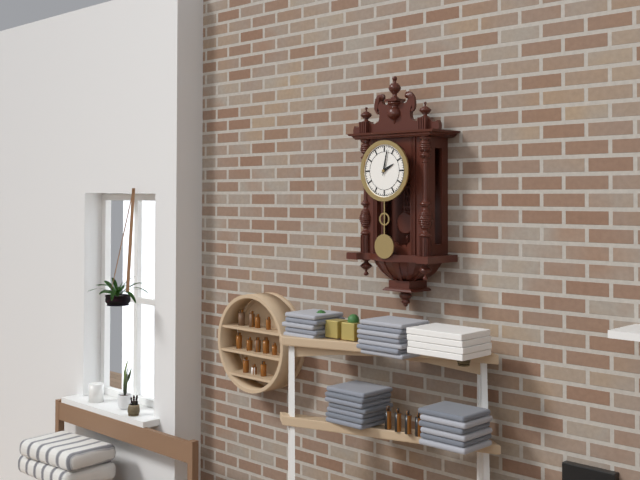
2:02
